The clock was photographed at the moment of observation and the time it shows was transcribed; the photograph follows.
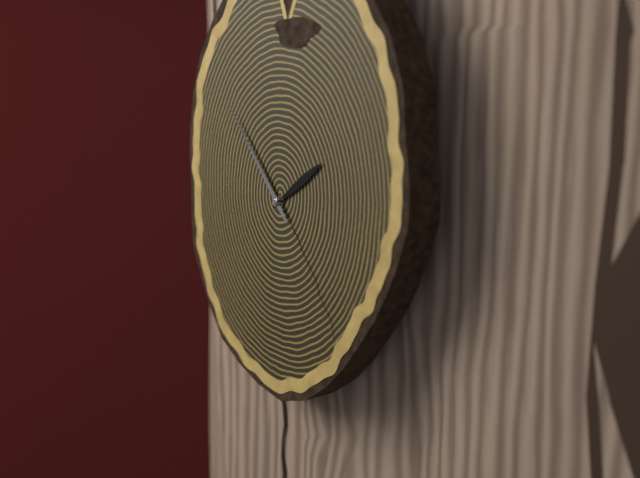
1:53
